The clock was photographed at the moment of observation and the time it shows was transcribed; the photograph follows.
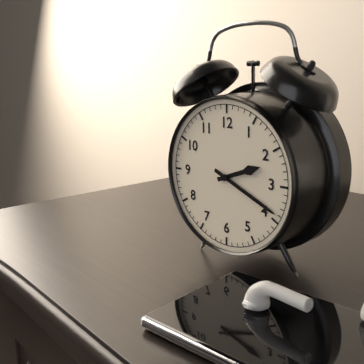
2:19
